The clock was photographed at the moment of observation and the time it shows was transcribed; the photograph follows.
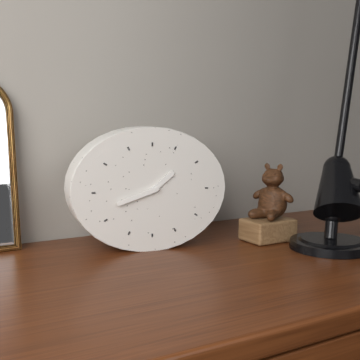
1:42
